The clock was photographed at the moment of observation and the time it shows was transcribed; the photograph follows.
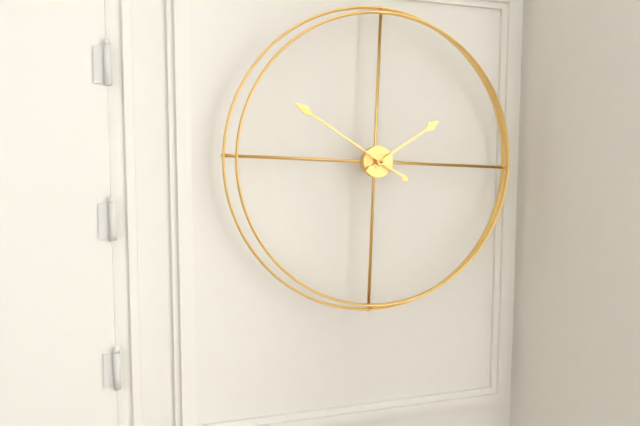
1:50
